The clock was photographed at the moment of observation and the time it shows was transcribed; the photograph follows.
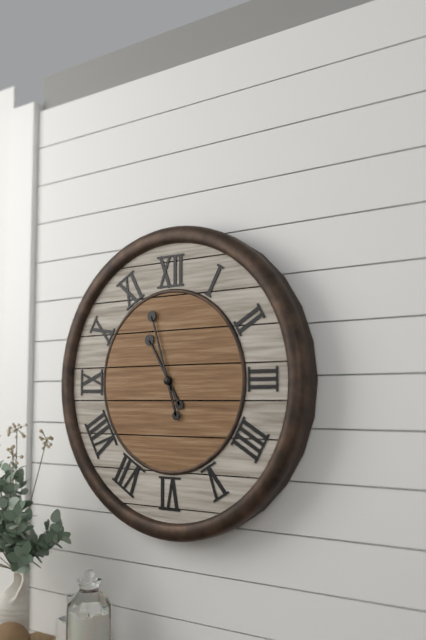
10:57
